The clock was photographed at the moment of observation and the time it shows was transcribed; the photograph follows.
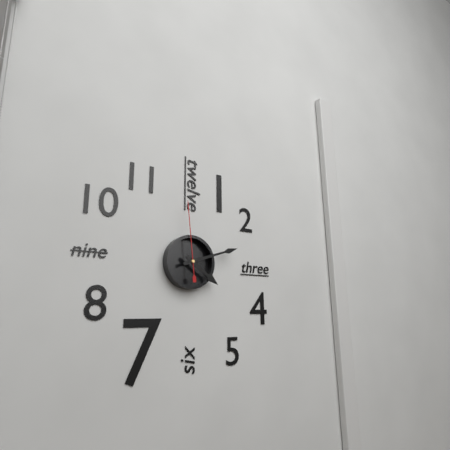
4:12:59
